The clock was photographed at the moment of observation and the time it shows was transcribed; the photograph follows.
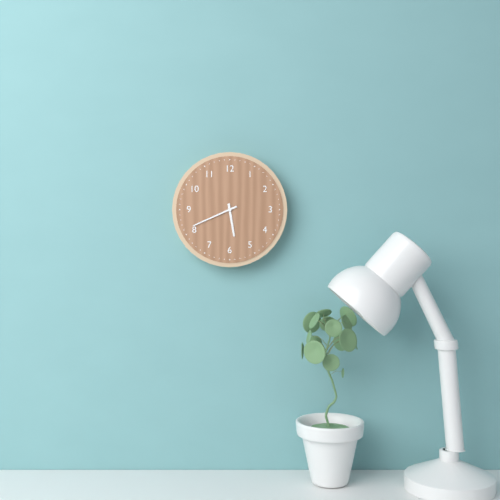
5:41
